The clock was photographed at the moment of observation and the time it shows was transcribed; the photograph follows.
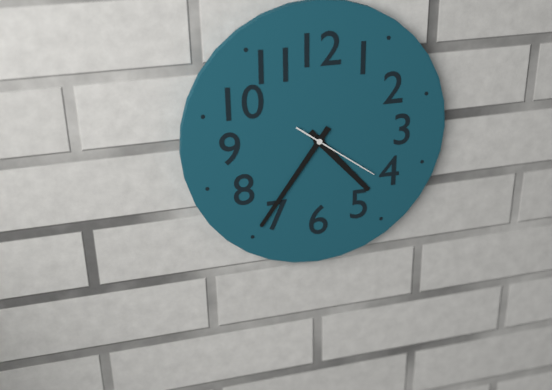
4:36:21
